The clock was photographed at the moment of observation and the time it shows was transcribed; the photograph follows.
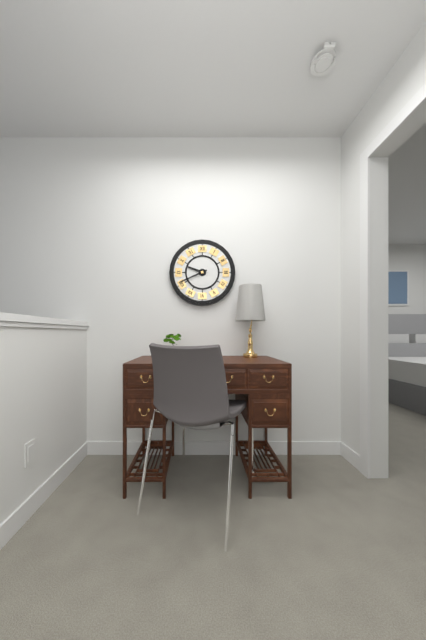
9:41
